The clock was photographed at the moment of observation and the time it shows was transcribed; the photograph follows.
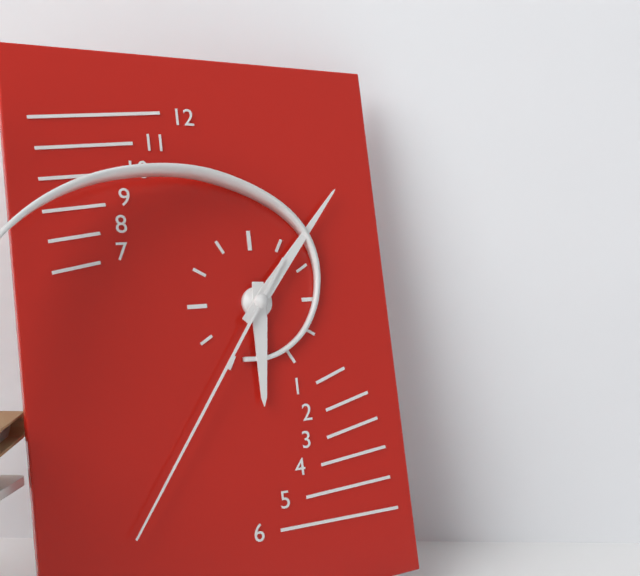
6:07:36
